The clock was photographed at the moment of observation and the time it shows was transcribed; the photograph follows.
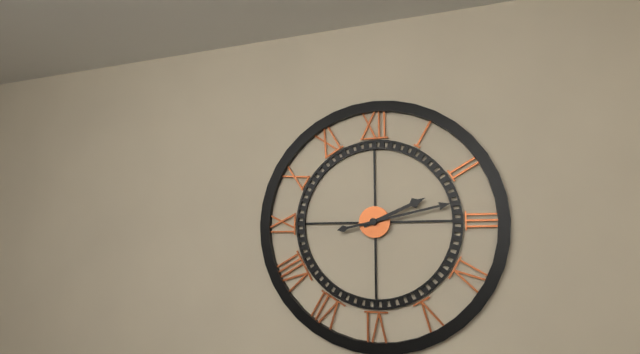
2:13
